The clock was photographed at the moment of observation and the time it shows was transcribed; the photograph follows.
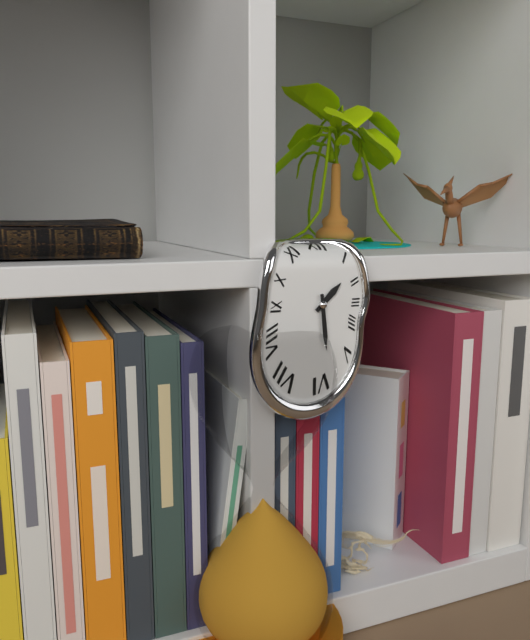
1:29
